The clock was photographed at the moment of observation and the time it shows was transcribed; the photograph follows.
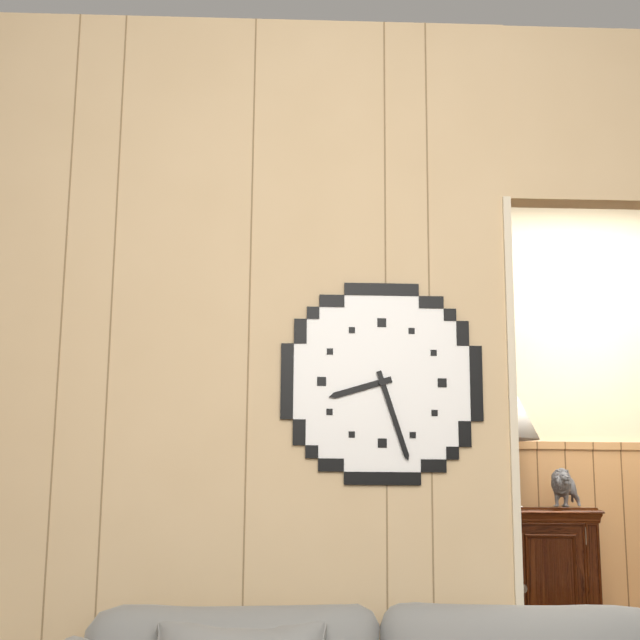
8:27
